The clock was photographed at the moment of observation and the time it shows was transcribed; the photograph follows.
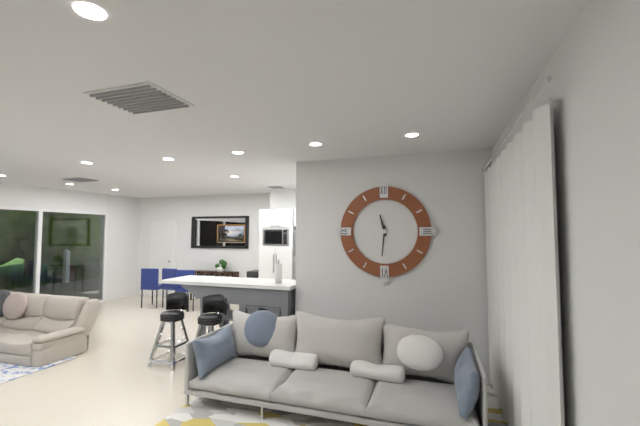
11:31
